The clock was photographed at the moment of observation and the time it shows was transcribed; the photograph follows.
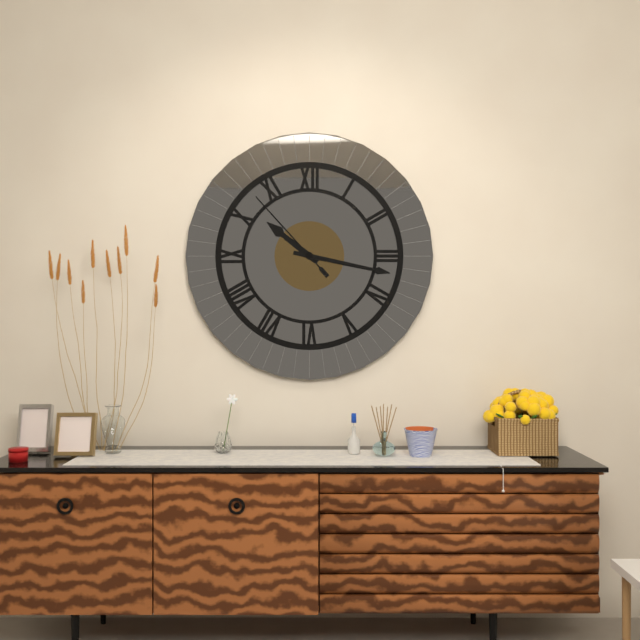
10:17:53
